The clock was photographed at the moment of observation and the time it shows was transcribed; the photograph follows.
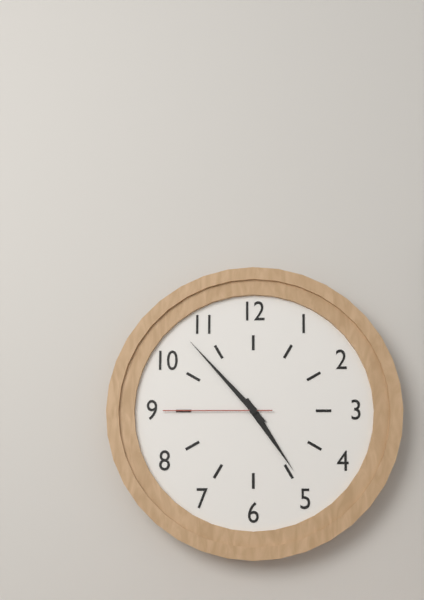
4:53:45
